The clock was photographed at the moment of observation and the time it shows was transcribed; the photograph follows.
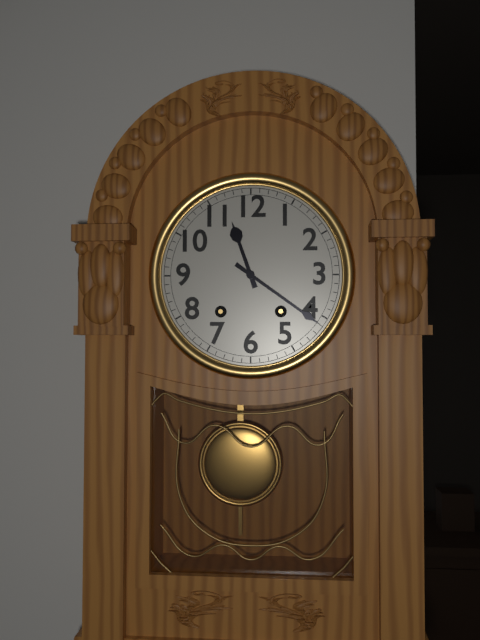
11:21
